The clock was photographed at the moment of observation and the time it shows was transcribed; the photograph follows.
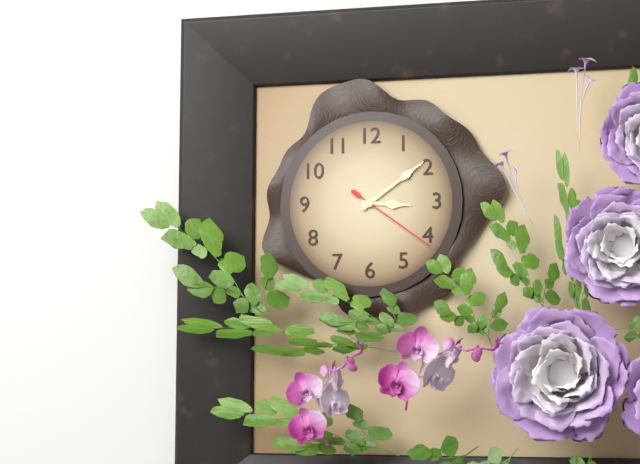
3:09:21
